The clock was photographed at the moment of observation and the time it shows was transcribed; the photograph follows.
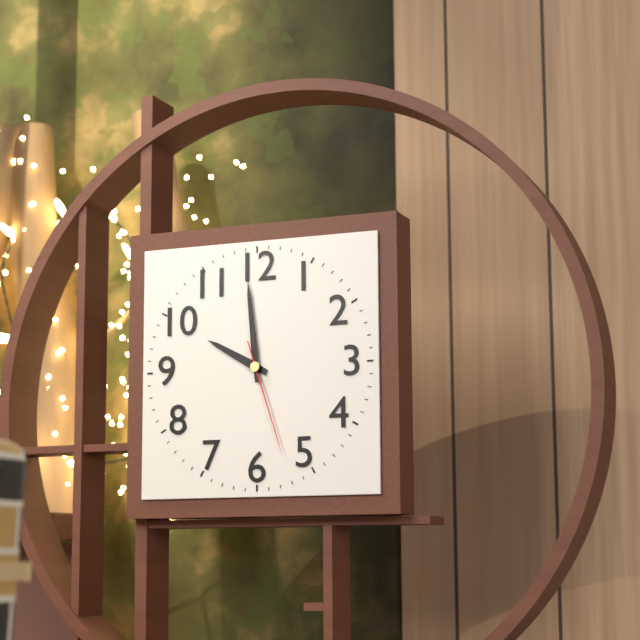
9:59:27
